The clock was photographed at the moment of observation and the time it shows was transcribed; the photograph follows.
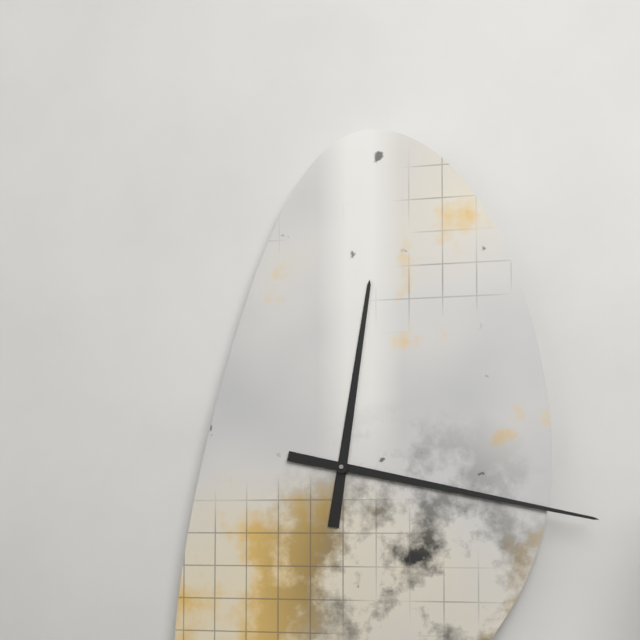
12:17
